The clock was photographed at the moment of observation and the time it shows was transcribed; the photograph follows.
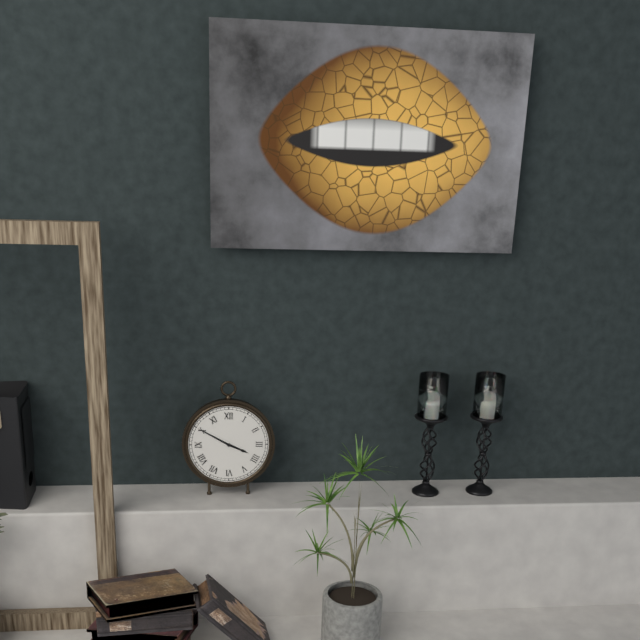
3:50
